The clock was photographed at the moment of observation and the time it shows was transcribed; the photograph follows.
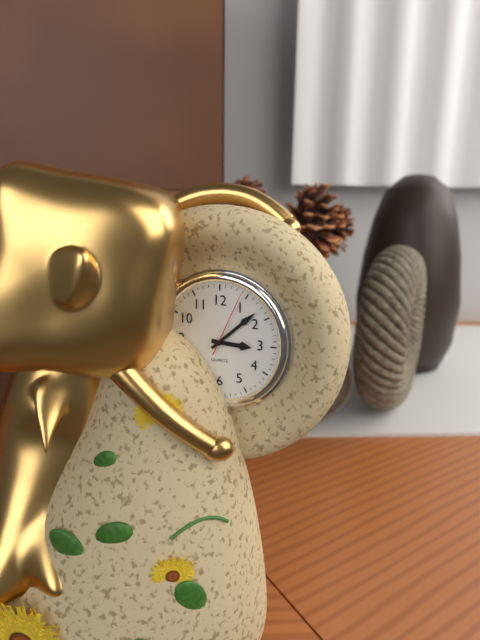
3:08:04
